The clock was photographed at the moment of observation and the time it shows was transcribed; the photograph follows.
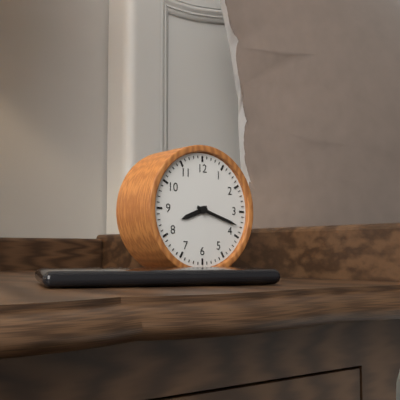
8:18
